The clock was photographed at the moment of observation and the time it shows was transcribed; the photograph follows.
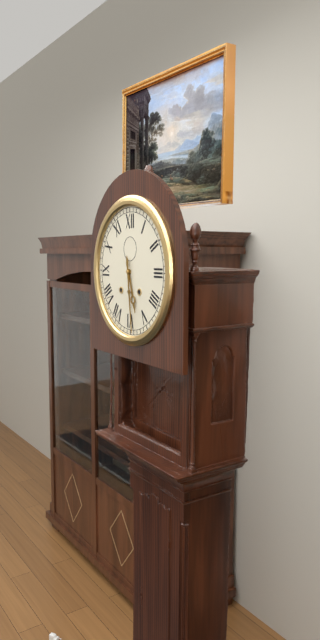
5:29
